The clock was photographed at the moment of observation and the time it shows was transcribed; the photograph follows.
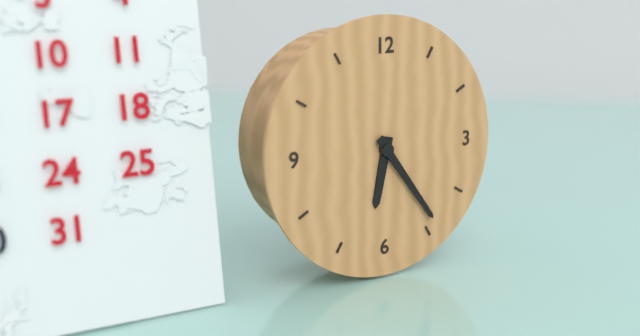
6:24
